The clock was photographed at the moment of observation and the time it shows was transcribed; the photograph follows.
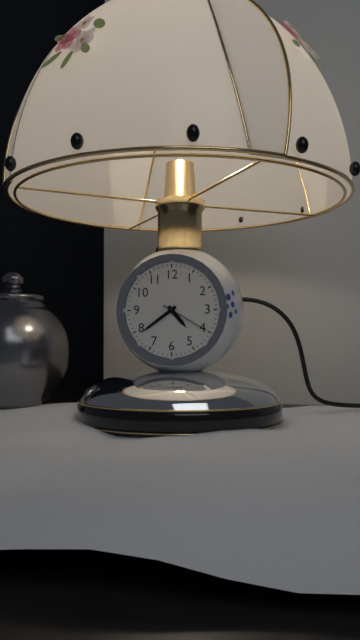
4:39:20
